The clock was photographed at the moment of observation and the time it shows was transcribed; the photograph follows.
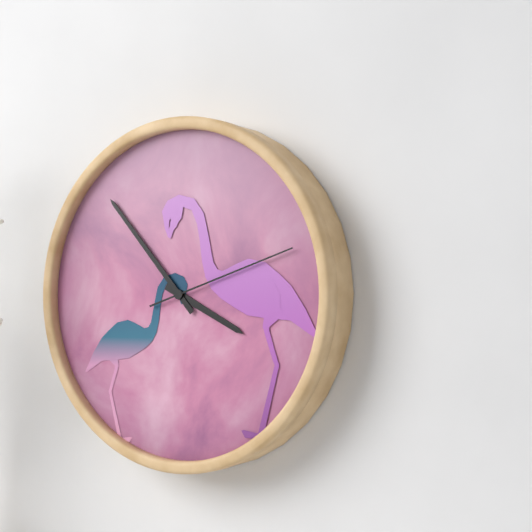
3:53:12
